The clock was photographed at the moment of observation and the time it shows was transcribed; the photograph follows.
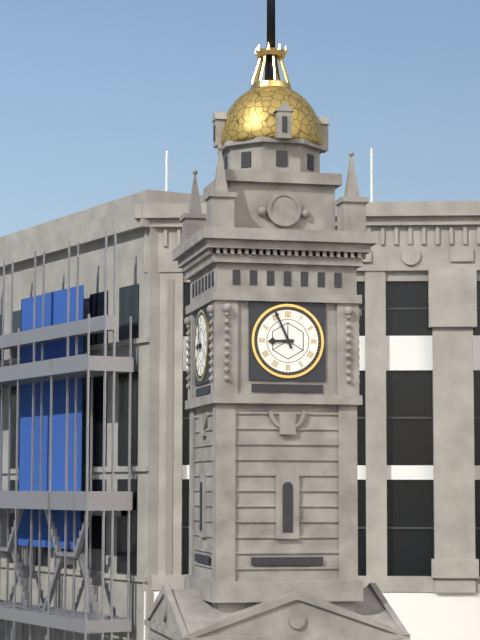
8:56
